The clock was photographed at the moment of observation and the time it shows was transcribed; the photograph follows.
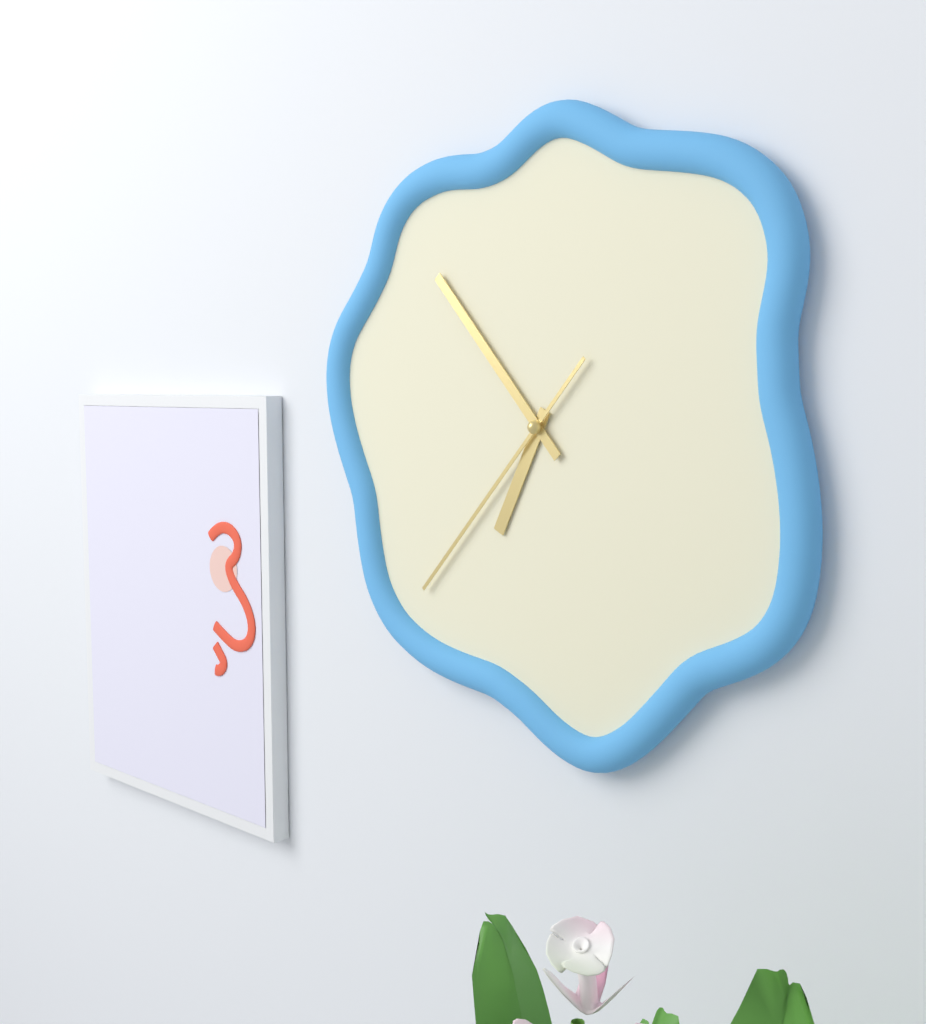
6:53:37
